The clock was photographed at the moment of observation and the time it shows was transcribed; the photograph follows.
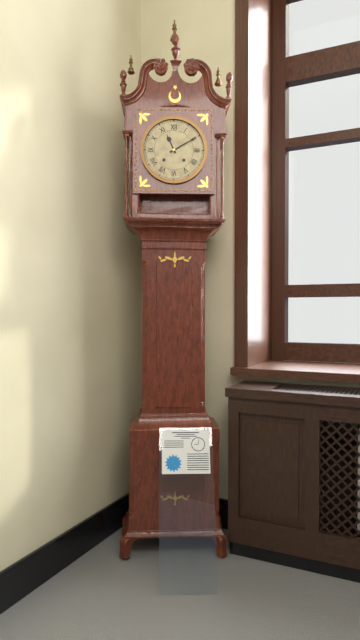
11:10
